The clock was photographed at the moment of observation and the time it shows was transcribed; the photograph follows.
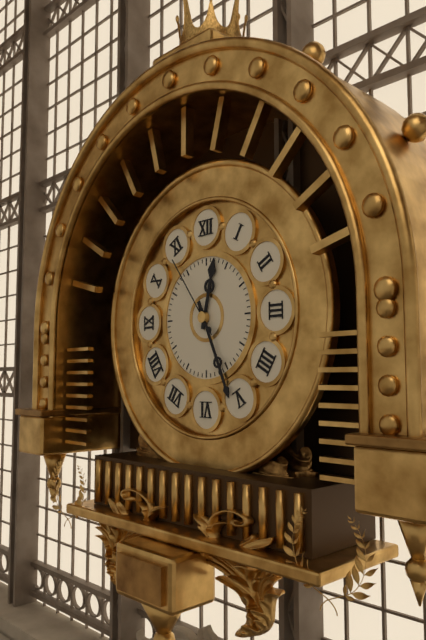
12:26:54
